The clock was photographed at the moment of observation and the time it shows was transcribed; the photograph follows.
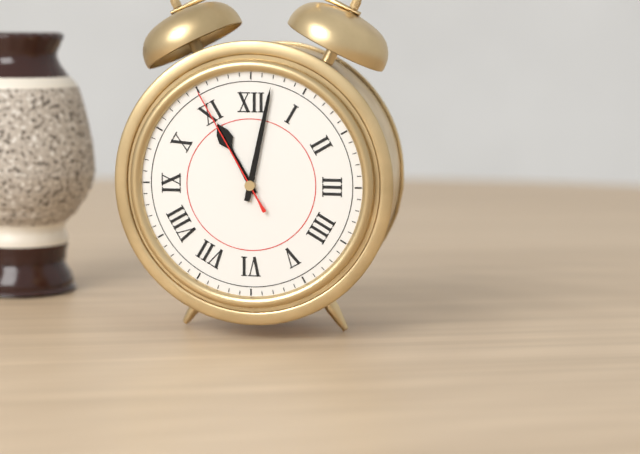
11:02:55
